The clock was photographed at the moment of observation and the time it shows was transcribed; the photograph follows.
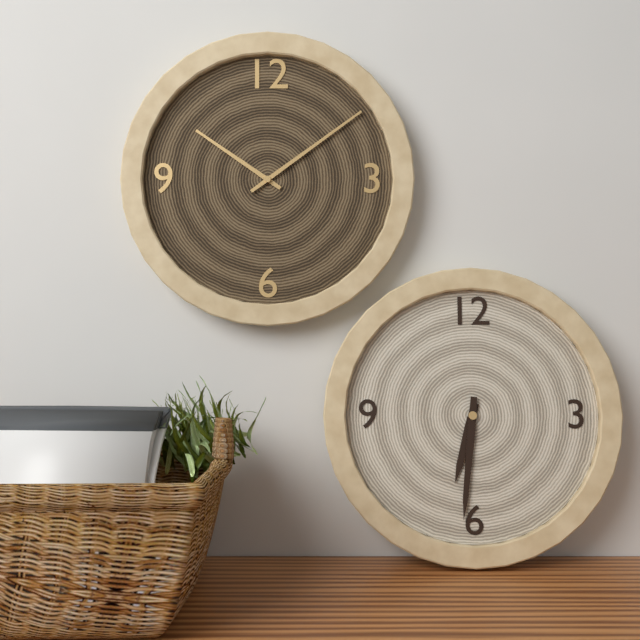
6:31
